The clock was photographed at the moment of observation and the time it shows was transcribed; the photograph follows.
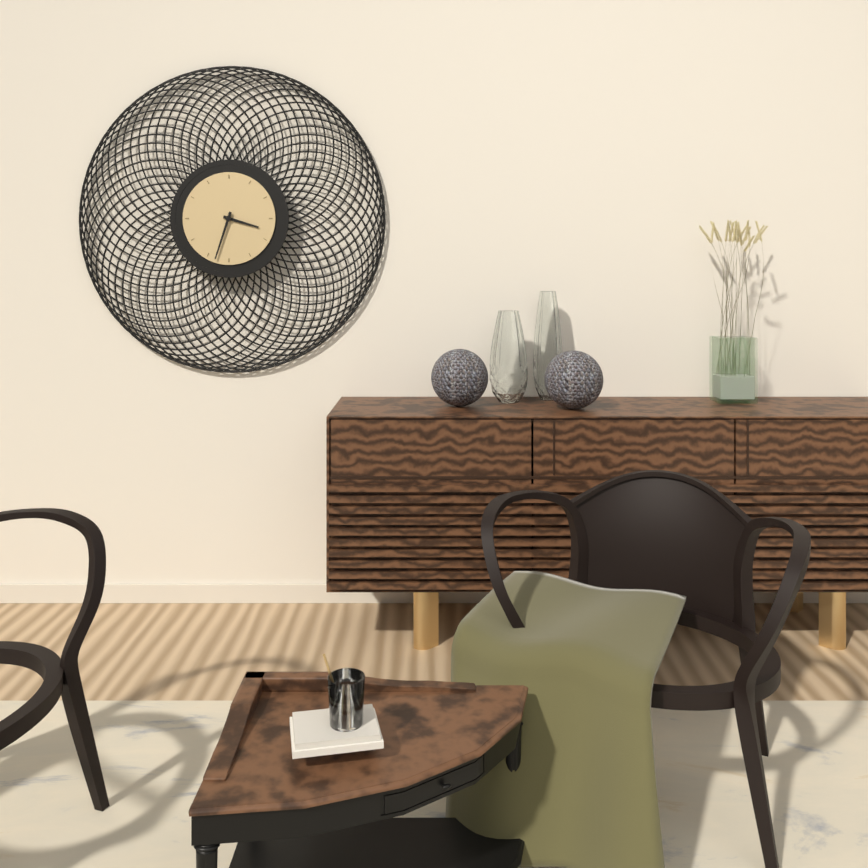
3:33
